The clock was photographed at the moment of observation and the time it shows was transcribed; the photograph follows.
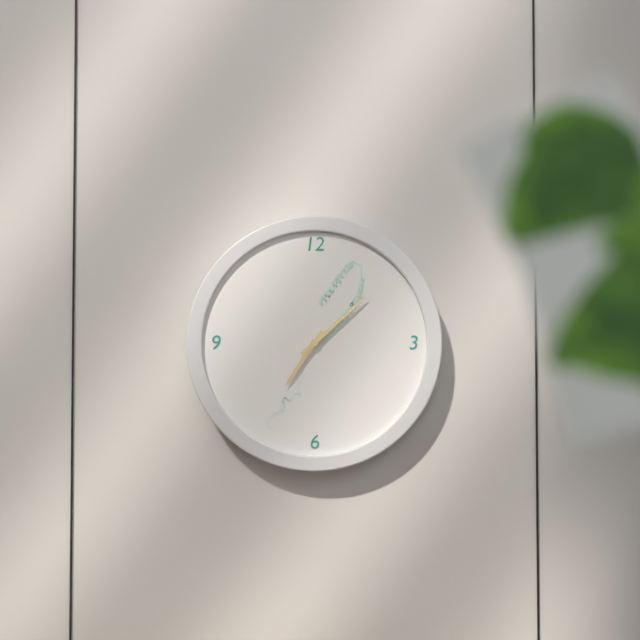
7:08
